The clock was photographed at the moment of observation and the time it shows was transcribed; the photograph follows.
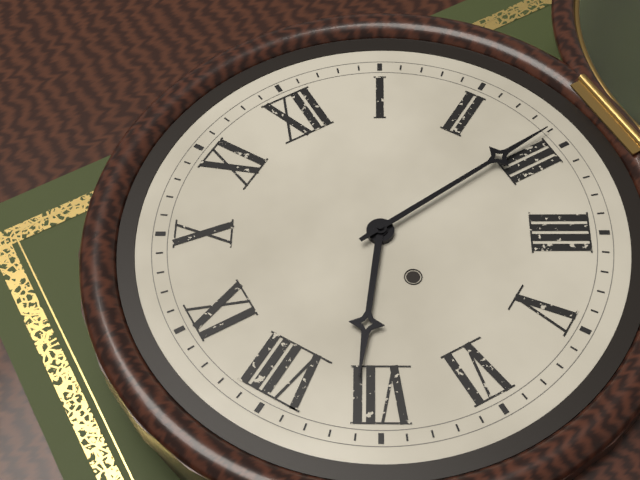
7:14
